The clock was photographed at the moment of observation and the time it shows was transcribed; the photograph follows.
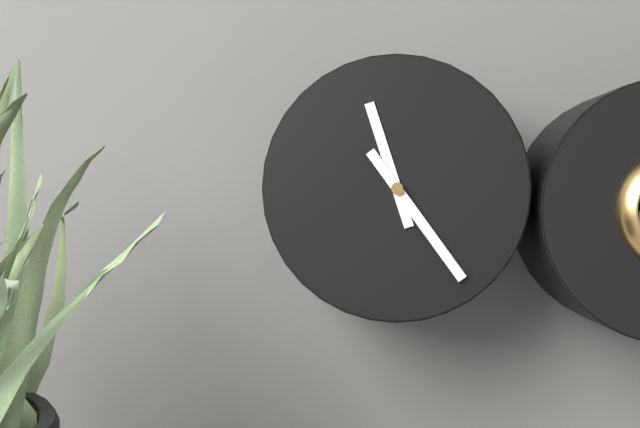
11:24
